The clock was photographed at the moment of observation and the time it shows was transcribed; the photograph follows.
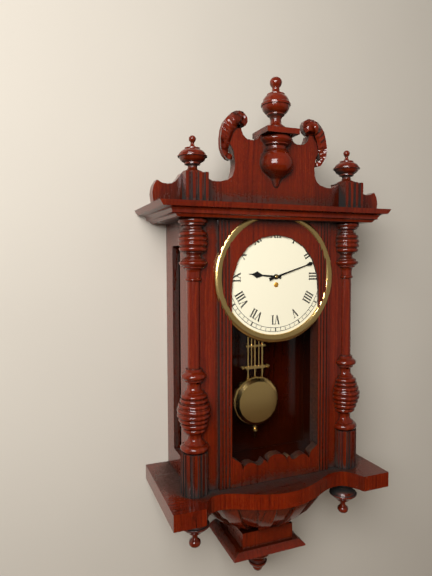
9:12
